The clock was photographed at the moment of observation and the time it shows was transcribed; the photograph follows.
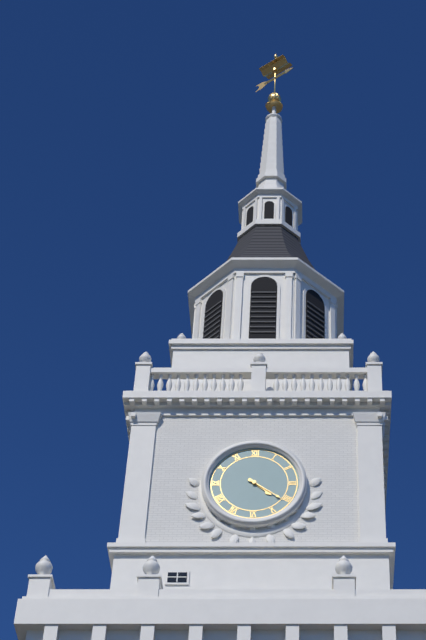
4:21
